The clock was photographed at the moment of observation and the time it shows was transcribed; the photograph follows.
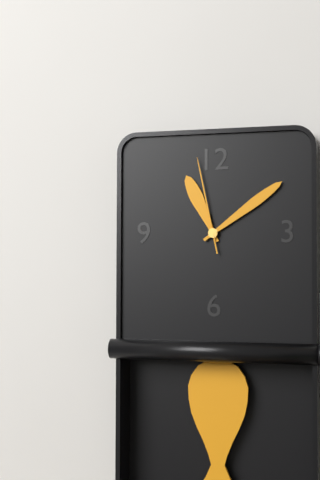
11:09:58
